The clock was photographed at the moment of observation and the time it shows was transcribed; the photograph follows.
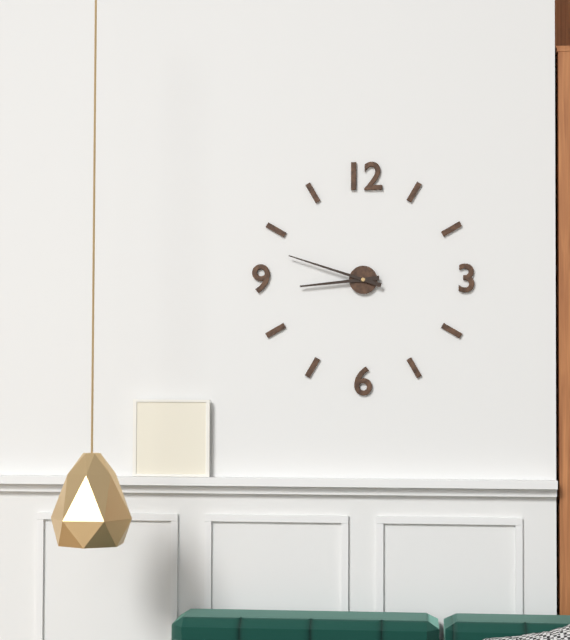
8:48
